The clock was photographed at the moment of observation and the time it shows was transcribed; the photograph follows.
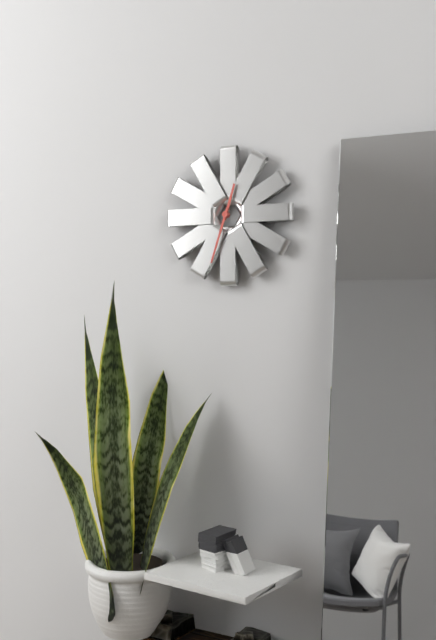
12:33
